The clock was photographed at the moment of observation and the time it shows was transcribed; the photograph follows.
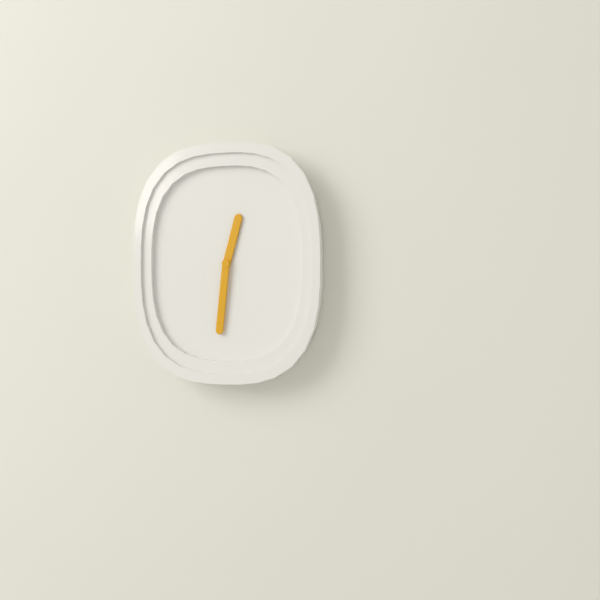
12:31
